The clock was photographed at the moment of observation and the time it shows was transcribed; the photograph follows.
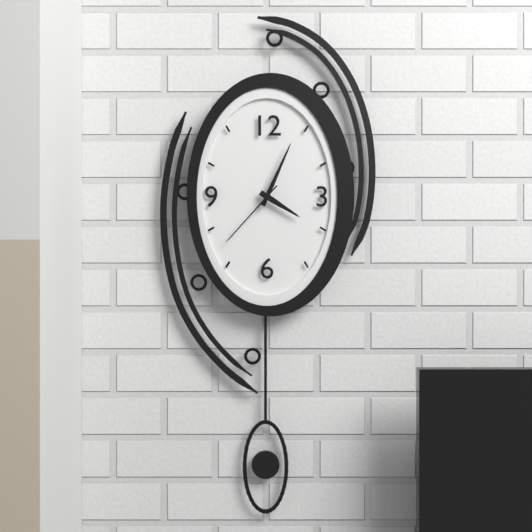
4:04:37
